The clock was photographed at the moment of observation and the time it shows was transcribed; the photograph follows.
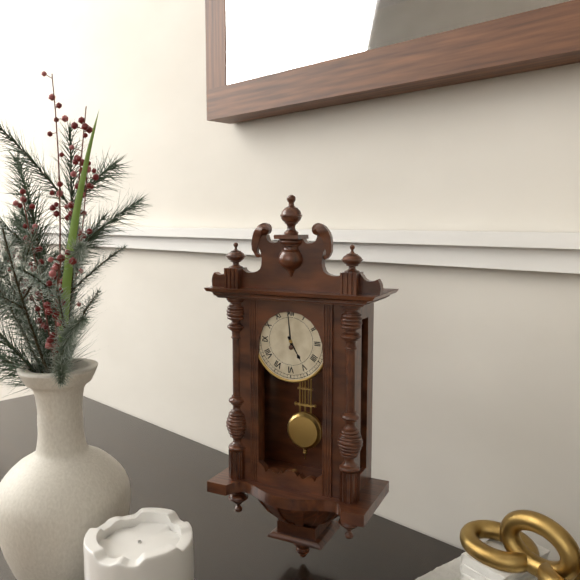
4:59
